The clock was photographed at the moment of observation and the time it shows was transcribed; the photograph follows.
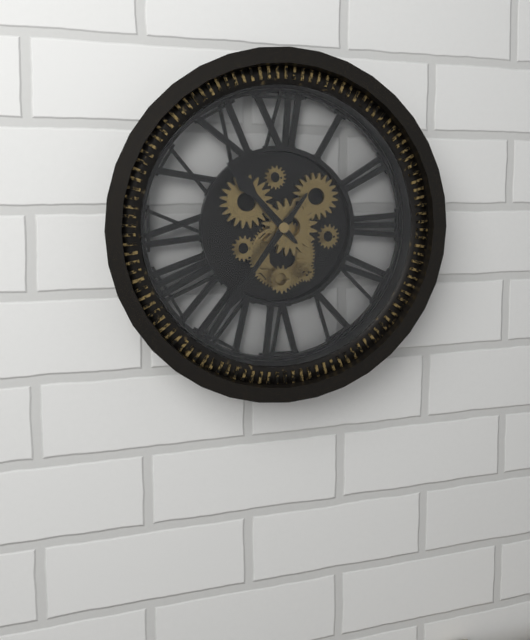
10:36
